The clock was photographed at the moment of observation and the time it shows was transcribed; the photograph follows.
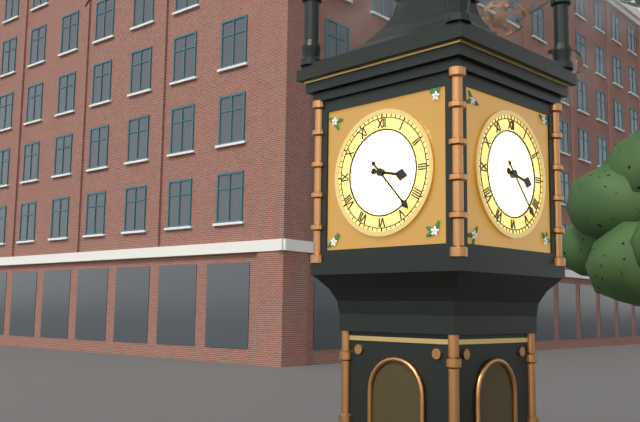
3:23
